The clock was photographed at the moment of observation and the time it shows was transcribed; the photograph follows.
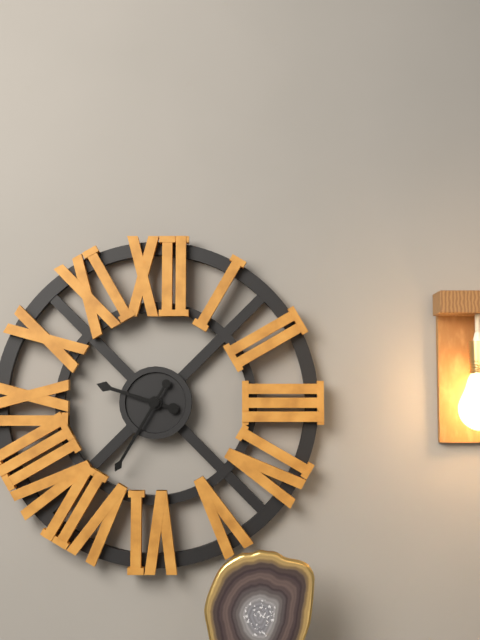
9:35
